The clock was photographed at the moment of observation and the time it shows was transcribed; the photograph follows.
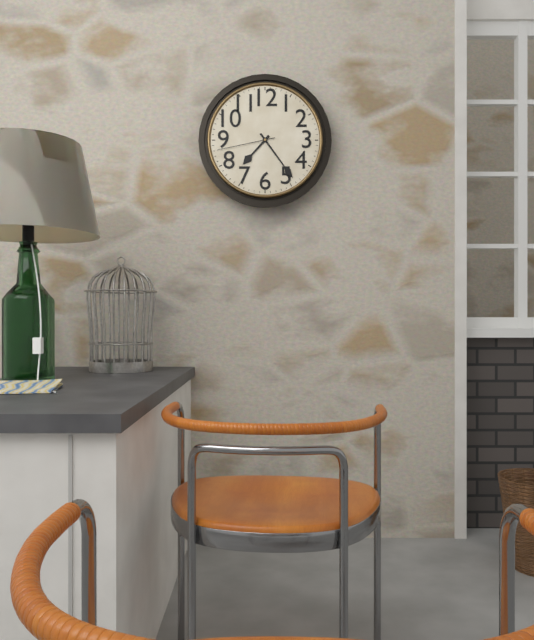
7:24:43
